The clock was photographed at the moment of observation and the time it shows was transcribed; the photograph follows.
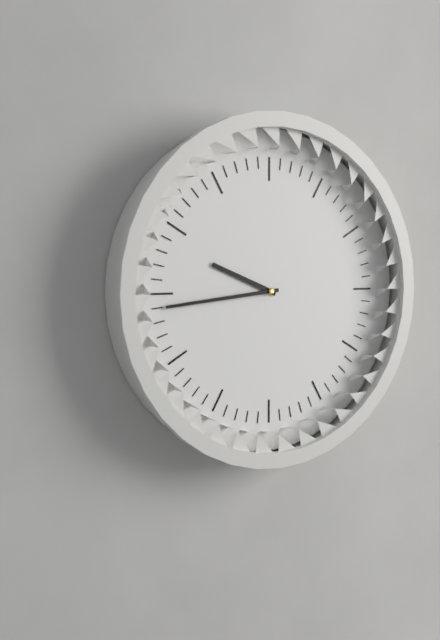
9:44
